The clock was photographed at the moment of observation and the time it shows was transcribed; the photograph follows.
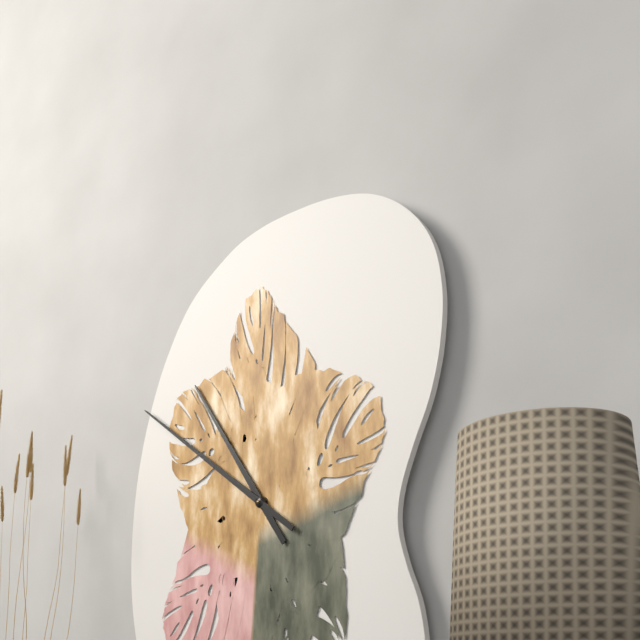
10:51
